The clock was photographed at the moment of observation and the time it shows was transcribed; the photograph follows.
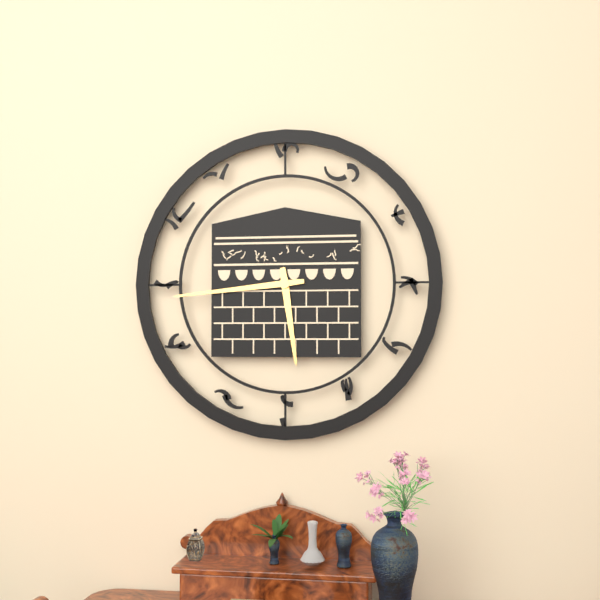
5:44
